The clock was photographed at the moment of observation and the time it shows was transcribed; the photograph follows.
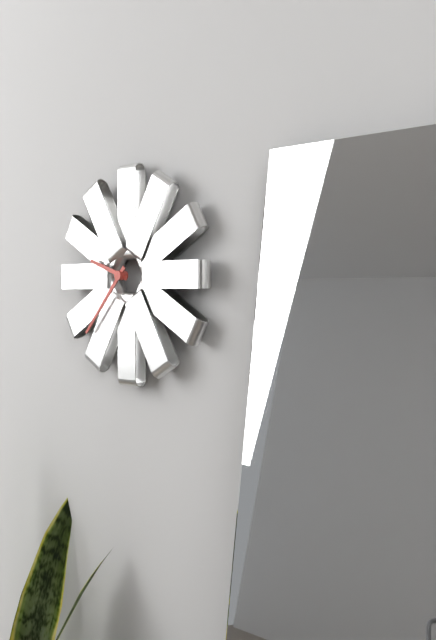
9:37
